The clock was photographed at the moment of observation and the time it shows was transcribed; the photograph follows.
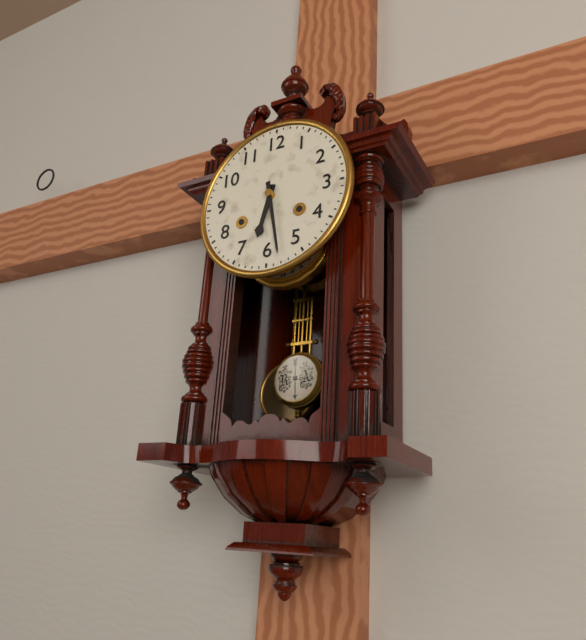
6:28
